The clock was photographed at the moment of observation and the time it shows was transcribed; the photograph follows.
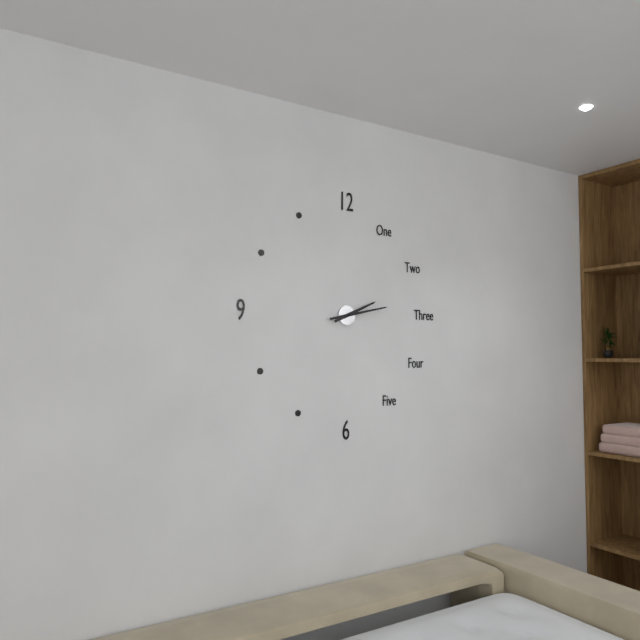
2:13
